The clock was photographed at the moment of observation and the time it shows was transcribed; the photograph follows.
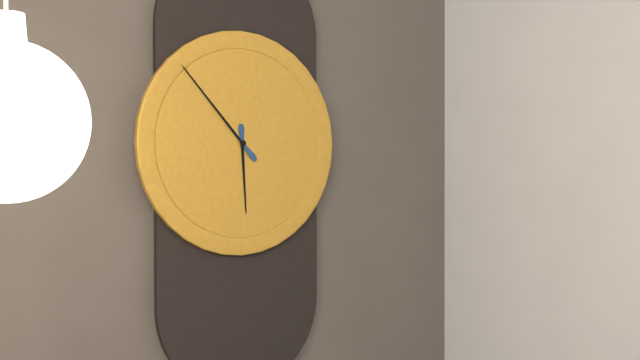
5:53
